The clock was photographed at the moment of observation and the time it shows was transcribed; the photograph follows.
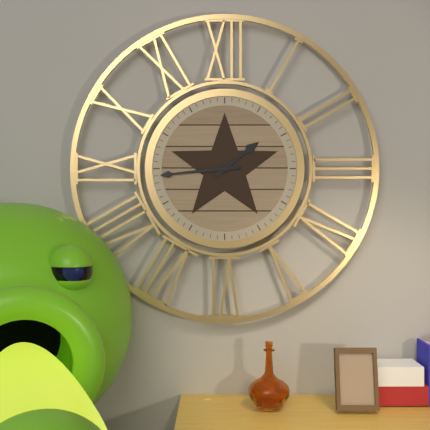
1:44
